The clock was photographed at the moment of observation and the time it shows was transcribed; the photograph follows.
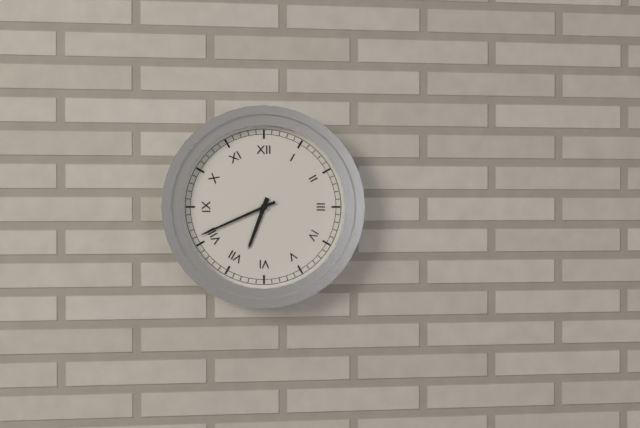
6:41
